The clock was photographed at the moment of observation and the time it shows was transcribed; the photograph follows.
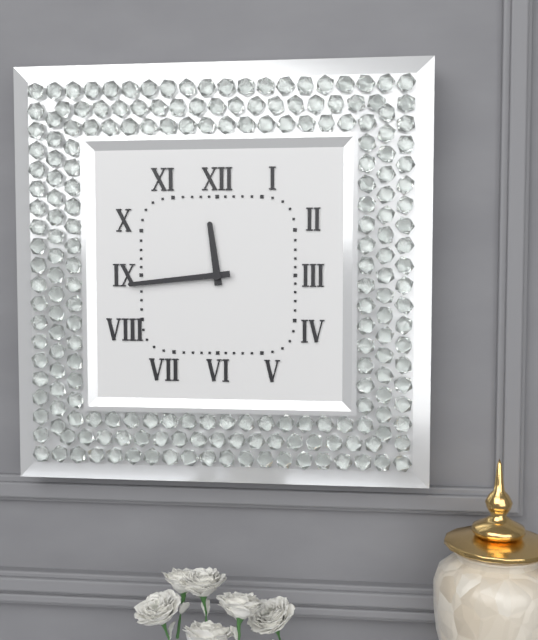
11:44
